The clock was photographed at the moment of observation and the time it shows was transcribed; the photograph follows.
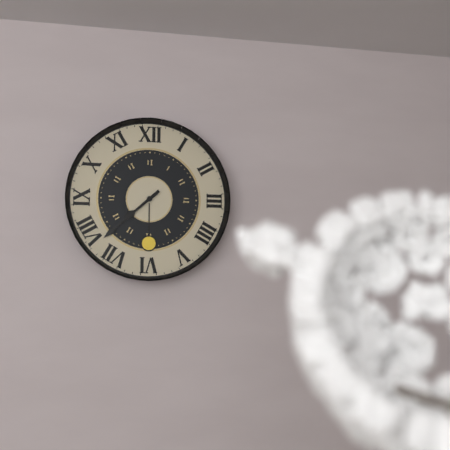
7:38
